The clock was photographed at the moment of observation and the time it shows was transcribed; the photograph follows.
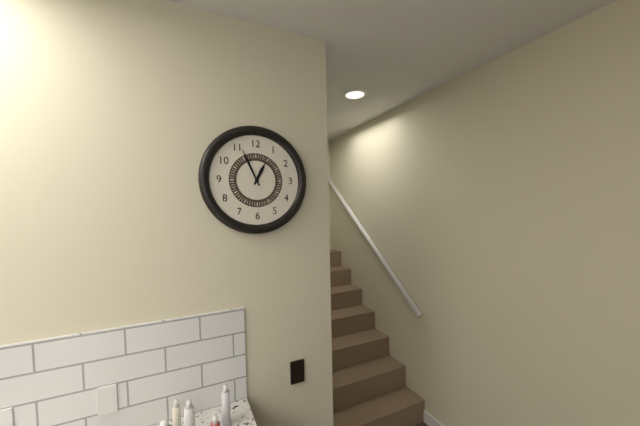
12:56
